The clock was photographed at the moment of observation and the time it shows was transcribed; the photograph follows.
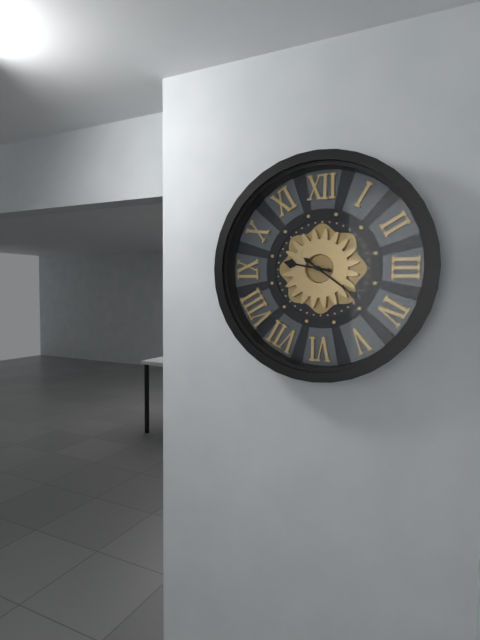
9:21
